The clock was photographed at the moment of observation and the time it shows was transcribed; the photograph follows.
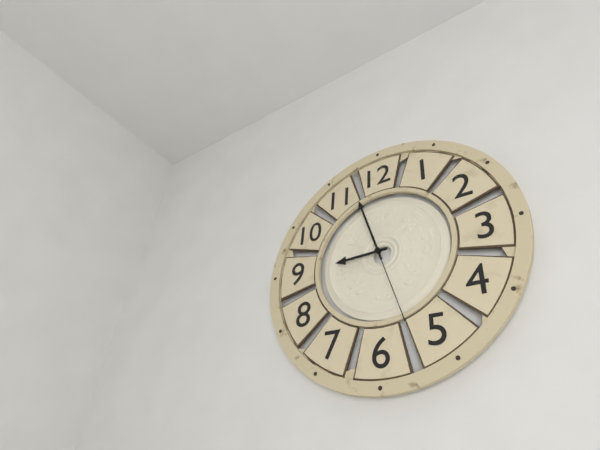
8:57:27
